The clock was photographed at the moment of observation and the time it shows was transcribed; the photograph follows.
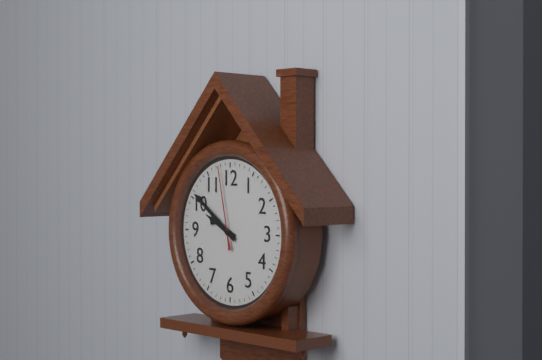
9:51:58
